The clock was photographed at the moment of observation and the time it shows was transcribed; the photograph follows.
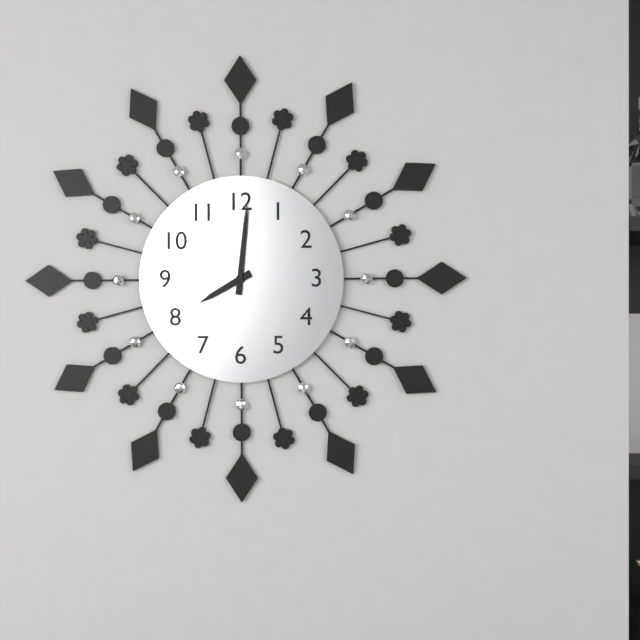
8:01
